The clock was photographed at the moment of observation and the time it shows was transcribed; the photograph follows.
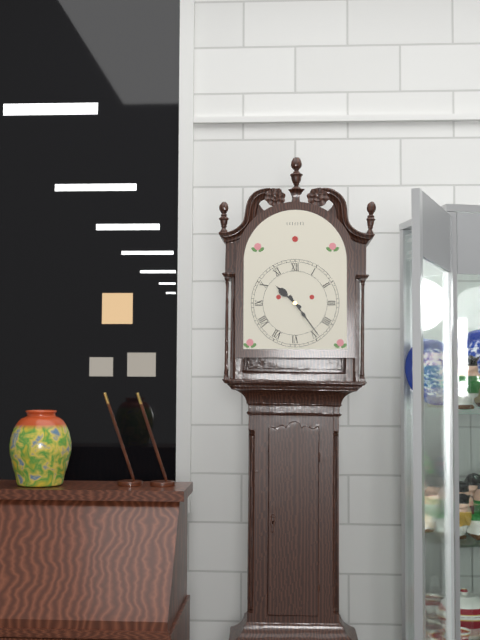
10:24
